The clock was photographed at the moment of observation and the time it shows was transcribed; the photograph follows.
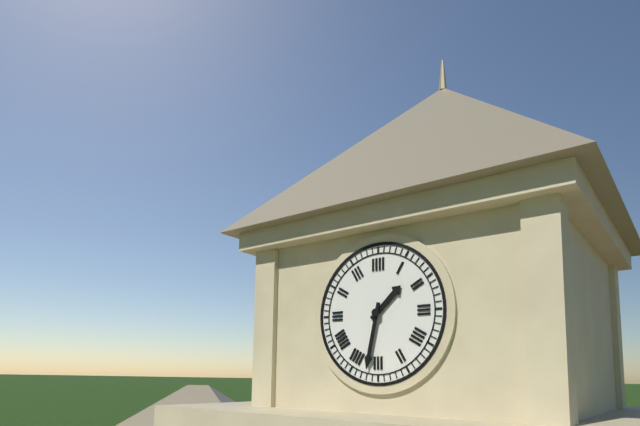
1:32
